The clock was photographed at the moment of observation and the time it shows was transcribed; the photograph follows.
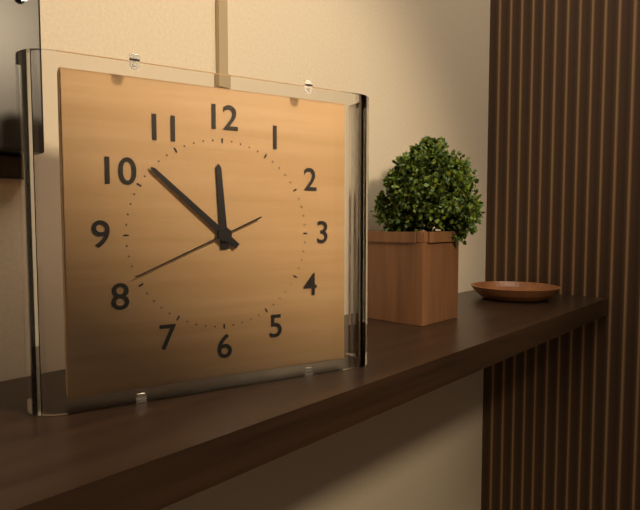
11:52:41
